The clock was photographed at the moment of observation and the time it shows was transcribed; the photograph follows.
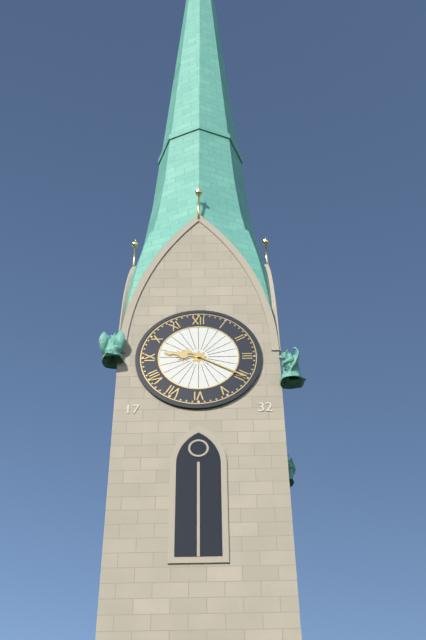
9:20
